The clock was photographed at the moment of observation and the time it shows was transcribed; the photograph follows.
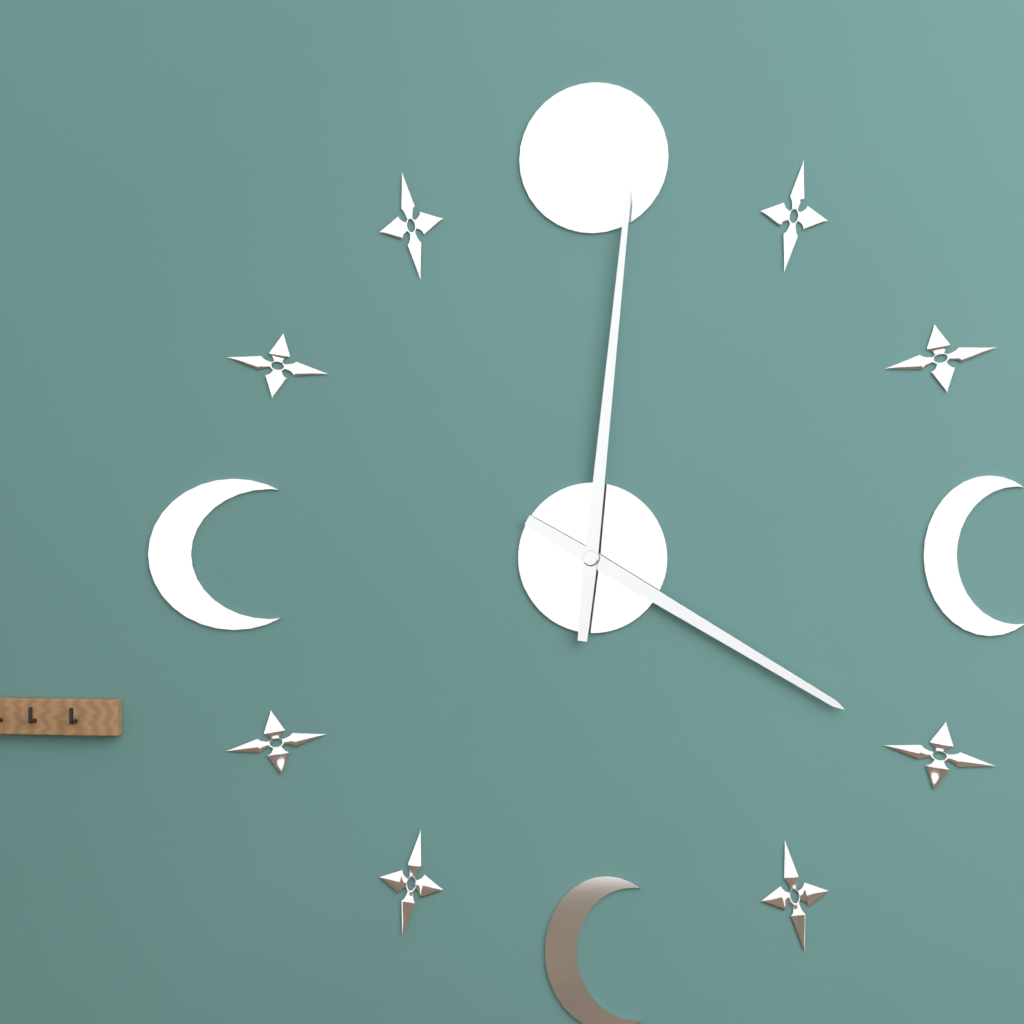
4:01
